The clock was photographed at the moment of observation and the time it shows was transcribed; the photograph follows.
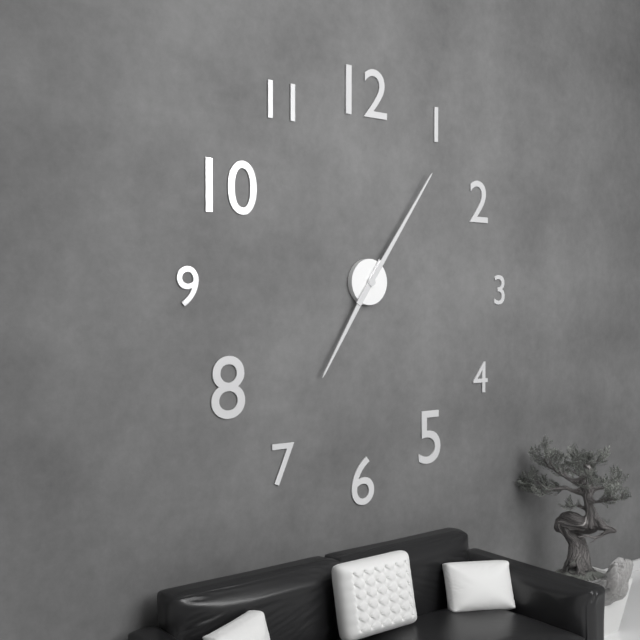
7:06
